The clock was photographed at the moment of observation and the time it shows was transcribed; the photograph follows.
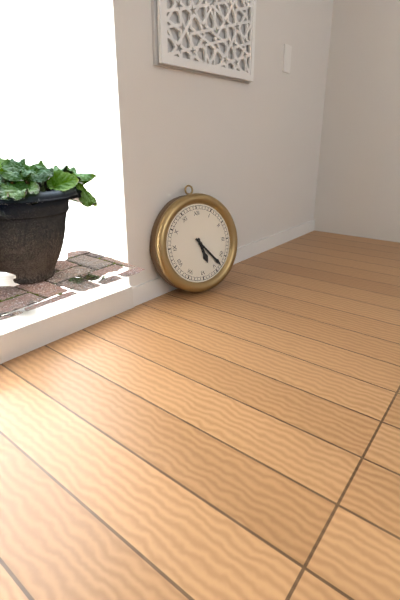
5:23
